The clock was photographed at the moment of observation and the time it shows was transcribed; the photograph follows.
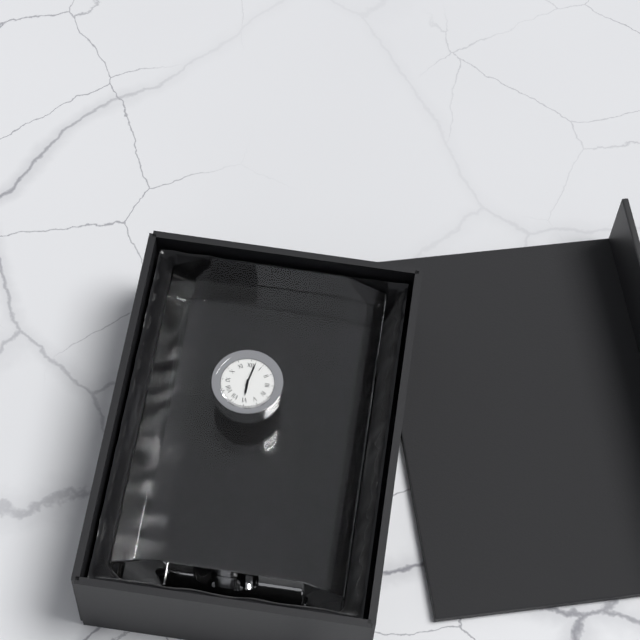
6:02
